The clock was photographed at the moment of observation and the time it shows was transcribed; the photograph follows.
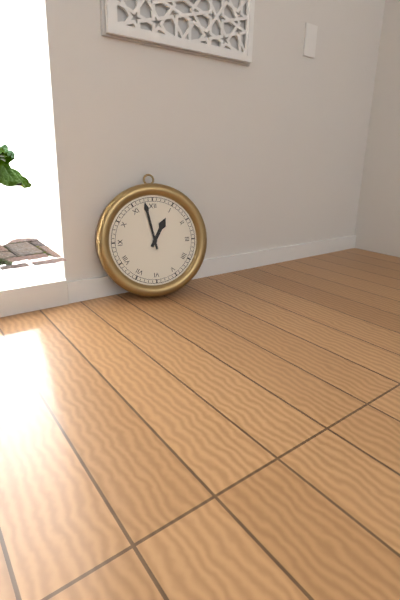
12:58
